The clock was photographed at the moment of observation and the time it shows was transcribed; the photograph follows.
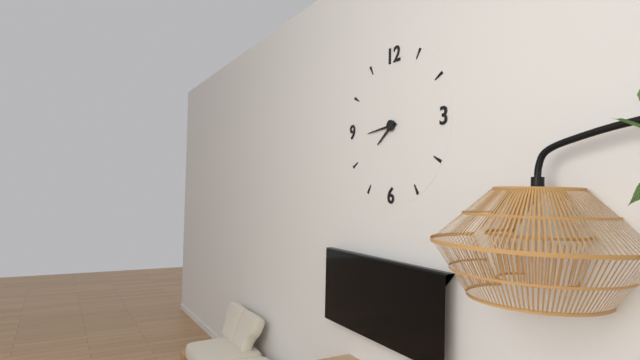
7:44
